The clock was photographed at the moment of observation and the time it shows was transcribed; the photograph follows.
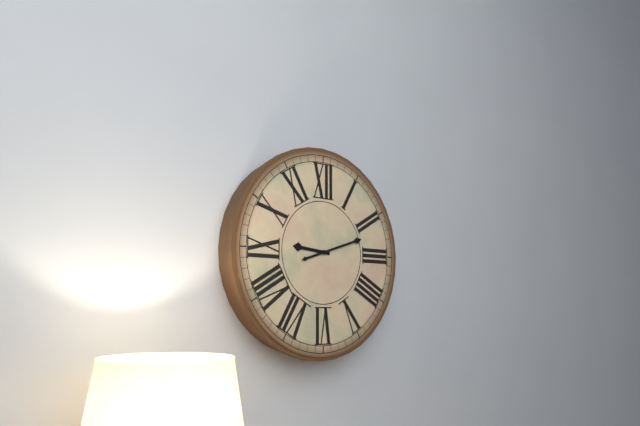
9:12
